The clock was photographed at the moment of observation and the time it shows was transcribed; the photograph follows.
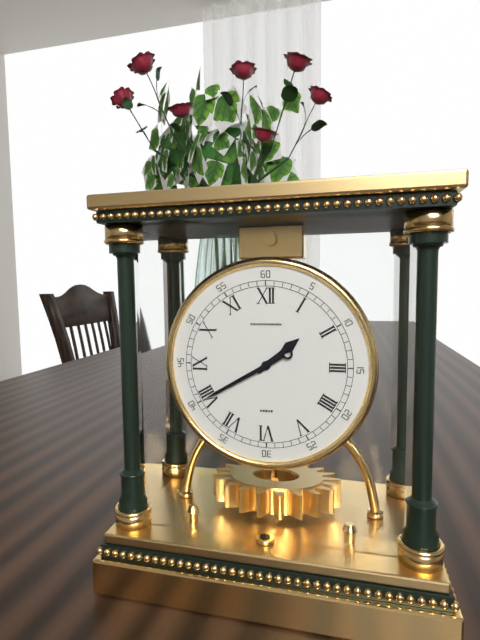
1:40
